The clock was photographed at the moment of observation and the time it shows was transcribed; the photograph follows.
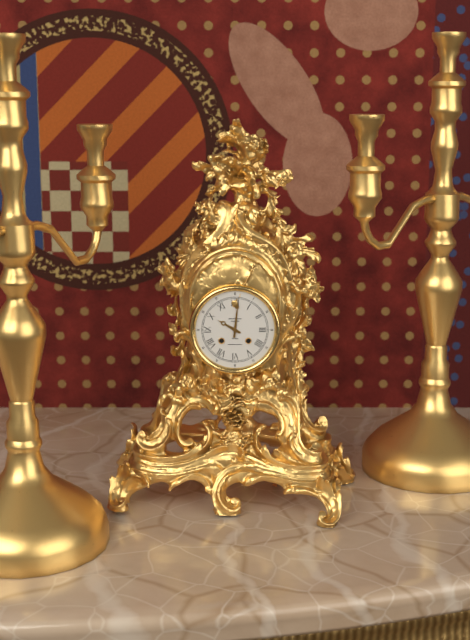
10:01
